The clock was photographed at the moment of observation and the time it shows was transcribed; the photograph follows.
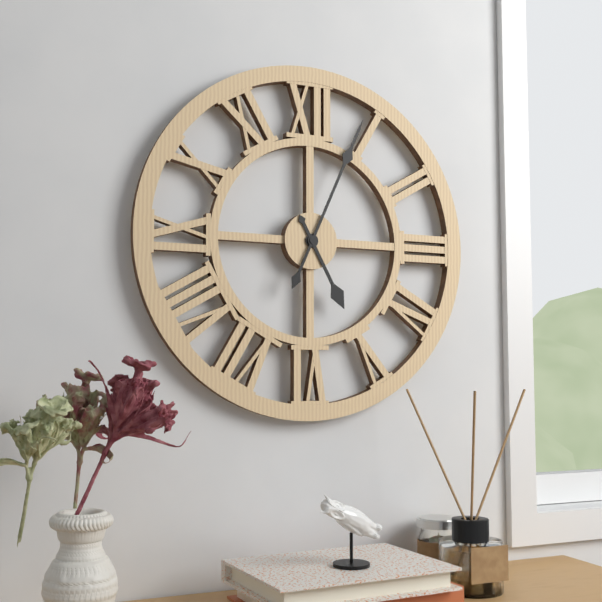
5:04
